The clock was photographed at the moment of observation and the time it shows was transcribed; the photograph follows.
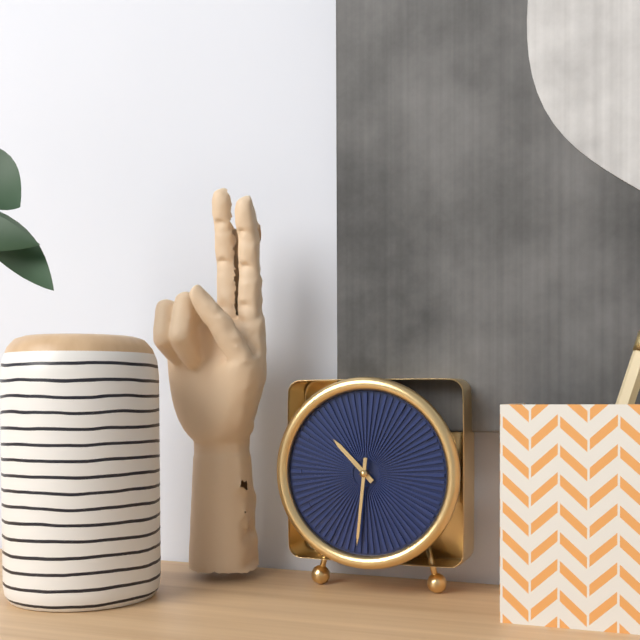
10:31
